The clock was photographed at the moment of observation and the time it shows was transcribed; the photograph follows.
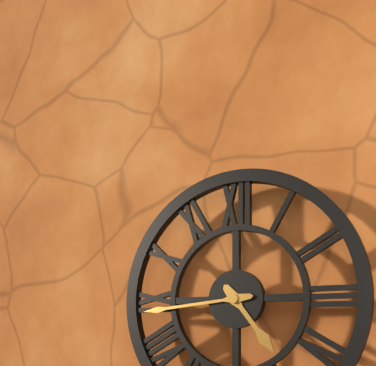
4:44
